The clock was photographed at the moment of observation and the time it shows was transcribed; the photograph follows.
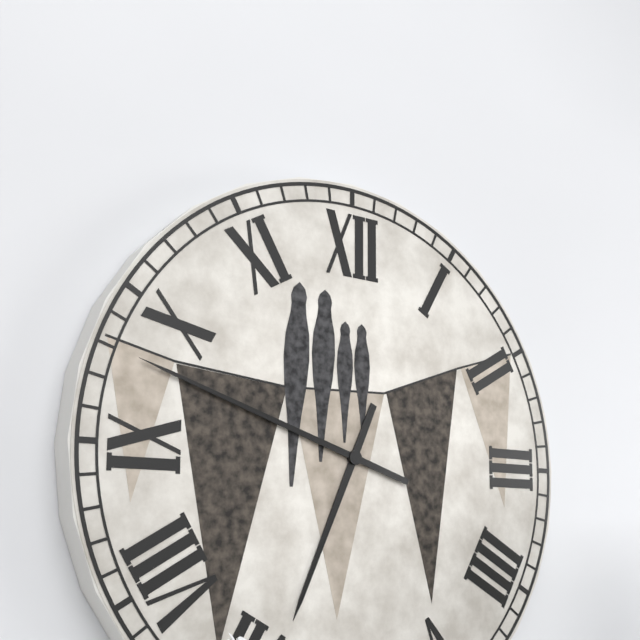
6:48
